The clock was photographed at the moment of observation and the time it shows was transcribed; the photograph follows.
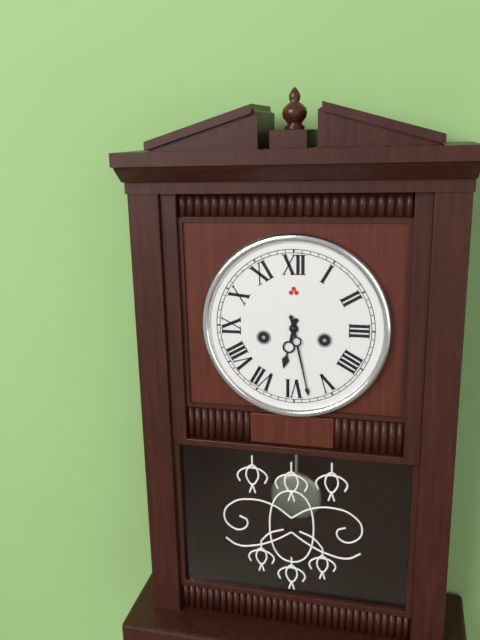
6:28
